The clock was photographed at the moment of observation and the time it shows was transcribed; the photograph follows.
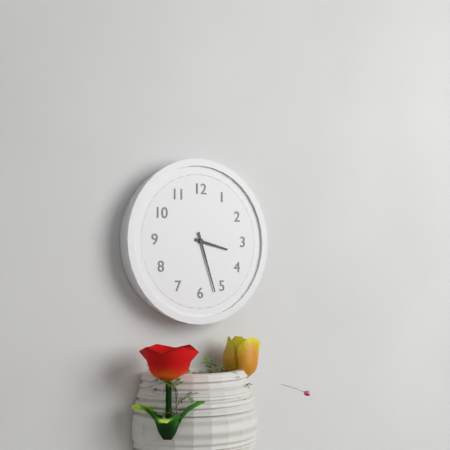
3:27
